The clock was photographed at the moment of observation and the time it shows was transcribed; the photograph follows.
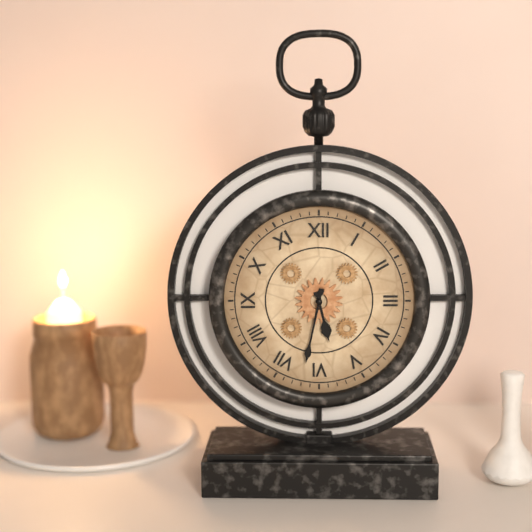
5:32
